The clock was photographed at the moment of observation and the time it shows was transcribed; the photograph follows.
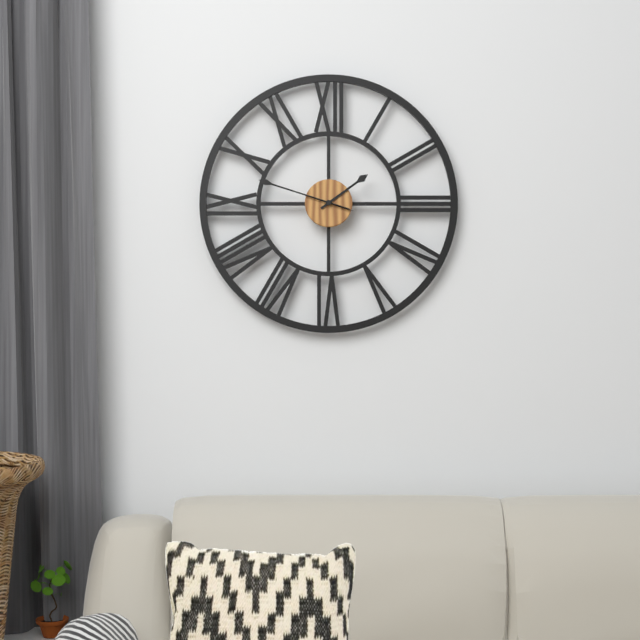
1:48
